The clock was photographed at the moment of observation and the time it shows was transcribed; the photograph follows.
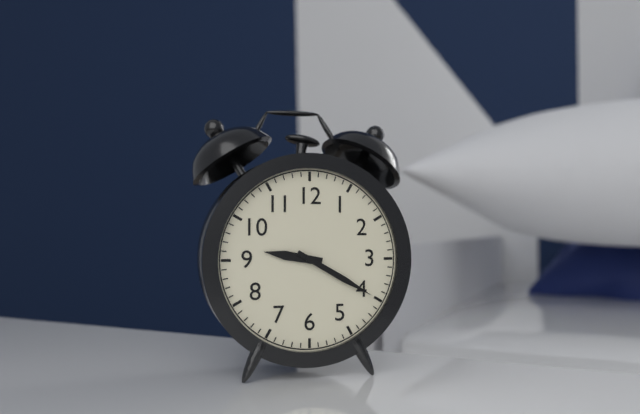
9:20
